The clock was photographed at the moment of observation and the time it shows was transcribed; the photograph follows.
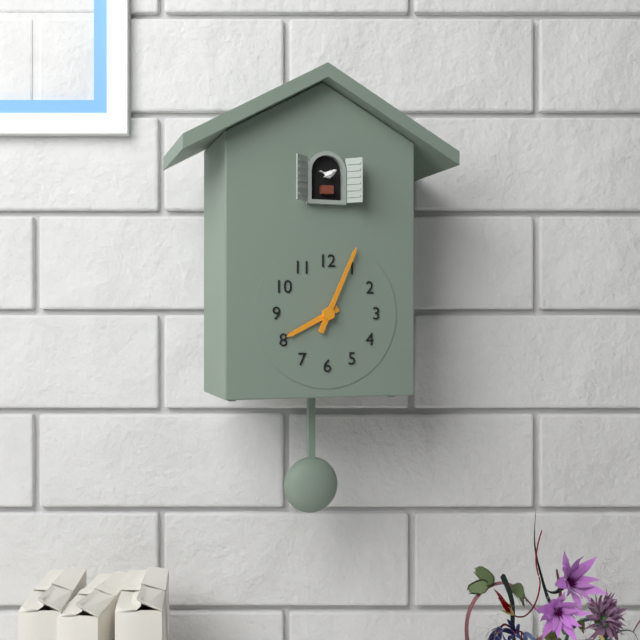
8:04
